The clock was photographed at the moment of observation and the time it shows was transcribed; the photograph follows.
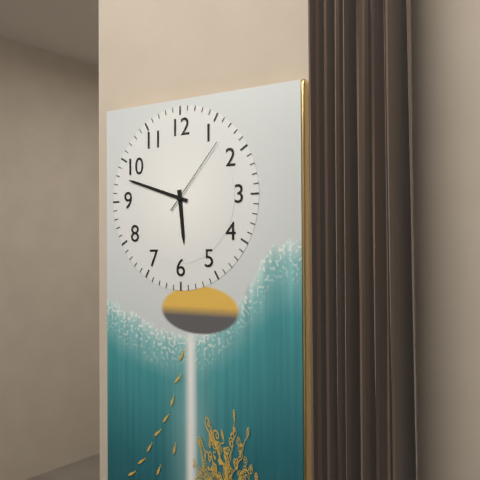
5:48:07
